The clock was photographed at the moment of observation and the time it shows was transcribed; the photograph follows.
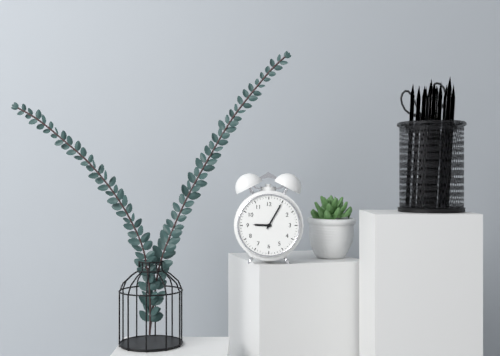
9:05
